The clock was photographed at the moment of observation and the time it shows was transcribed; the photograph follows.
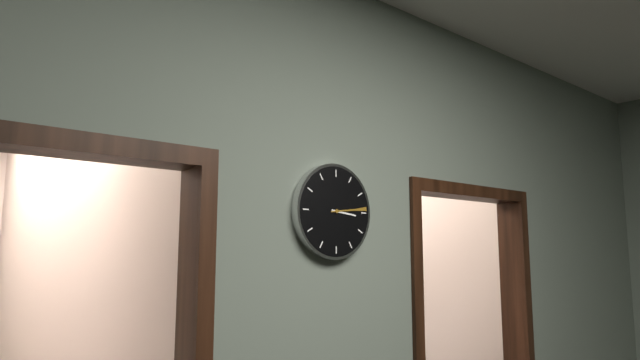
3:14
